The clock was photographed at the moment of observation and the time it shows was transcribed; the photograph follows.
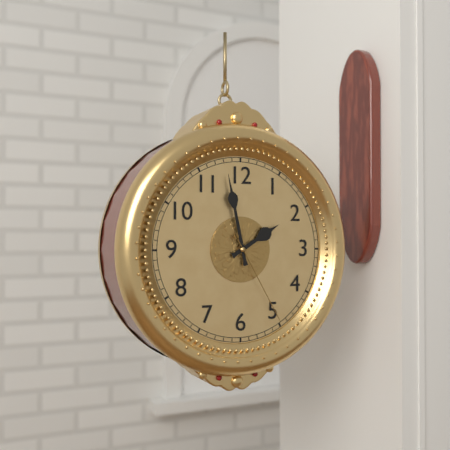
1:58:25
